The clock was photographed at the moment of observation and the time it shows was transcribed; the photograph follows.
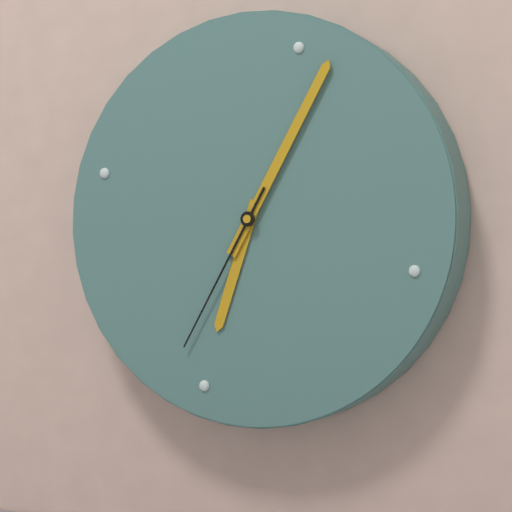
6:02:32
